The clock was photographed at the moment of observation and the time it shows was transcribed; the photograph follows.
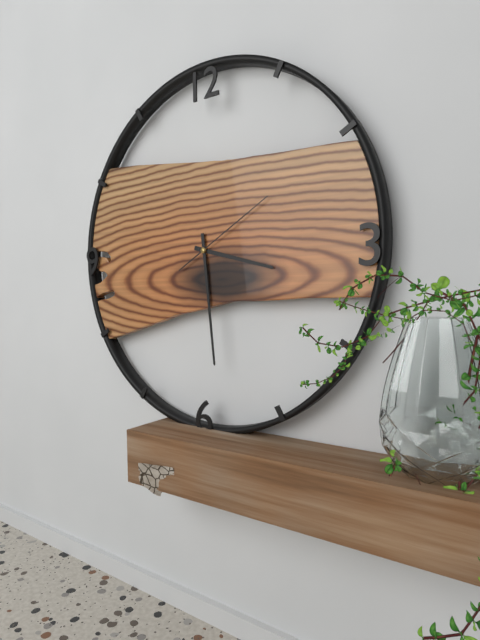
3:29:10
